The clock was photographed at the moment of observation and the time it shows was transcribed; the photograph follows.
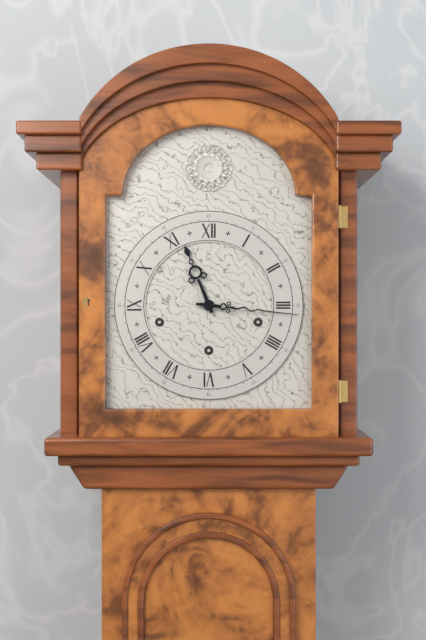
11:16
